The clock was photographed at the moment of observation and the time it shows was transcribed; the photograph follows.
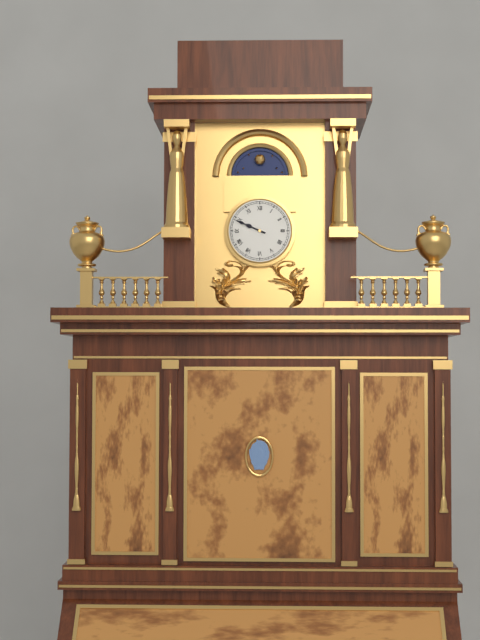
9:49
